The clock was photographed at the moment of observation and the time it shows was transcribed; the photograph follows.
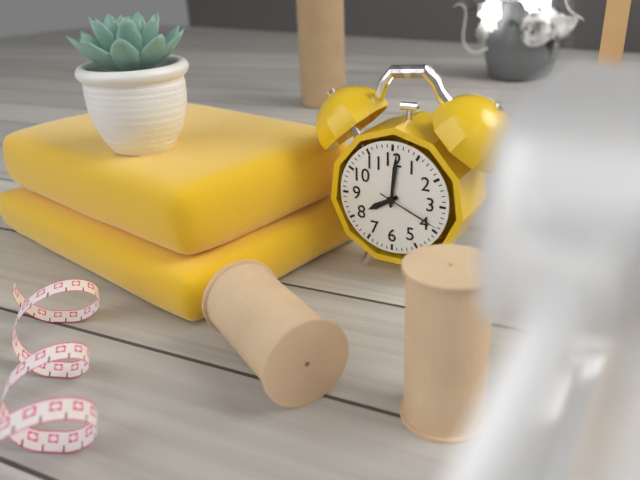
8:01:19
